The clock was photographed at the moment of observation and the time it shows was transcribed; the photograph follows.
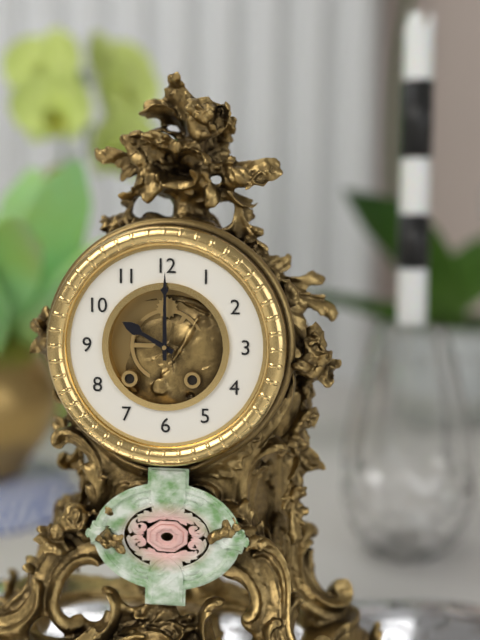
10:00
